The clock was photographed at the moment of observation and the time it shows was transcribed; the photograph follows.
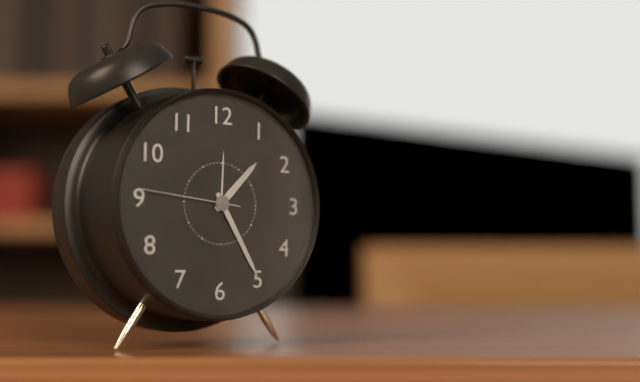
1:25:46
